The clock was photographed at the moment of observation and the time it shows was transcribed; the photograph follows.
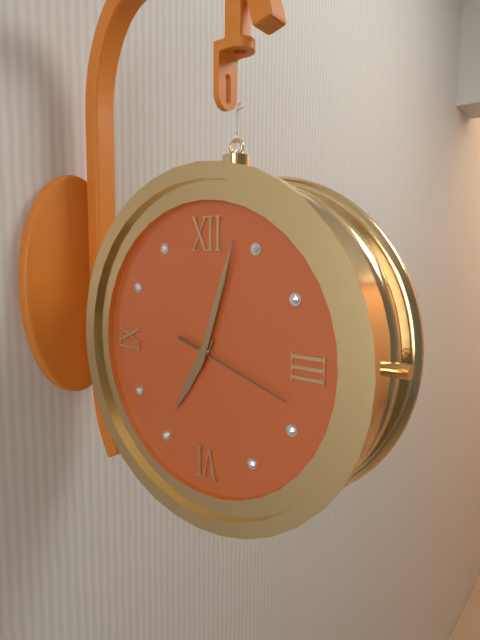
7:03:18
